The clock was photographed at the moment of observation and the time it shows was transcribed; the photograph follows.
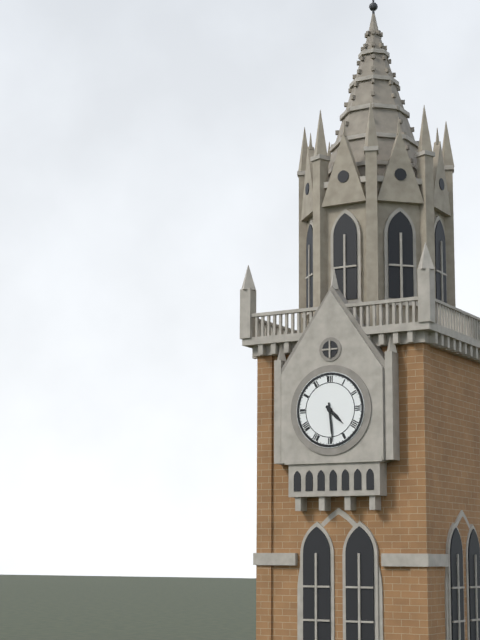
4:29
